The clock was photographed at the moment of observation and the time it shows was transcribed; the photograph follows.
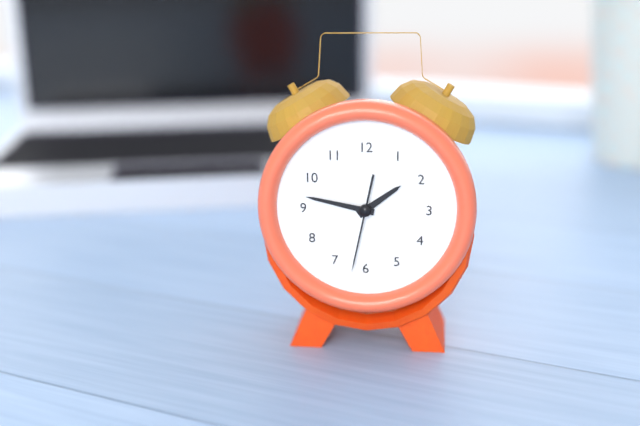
1:47:32
